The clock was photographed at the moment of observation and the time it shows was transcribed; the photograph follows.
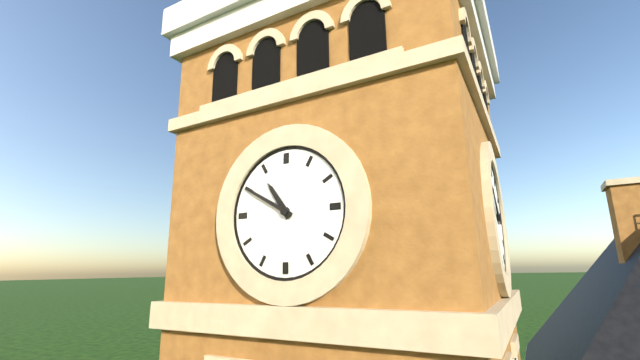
10:50
